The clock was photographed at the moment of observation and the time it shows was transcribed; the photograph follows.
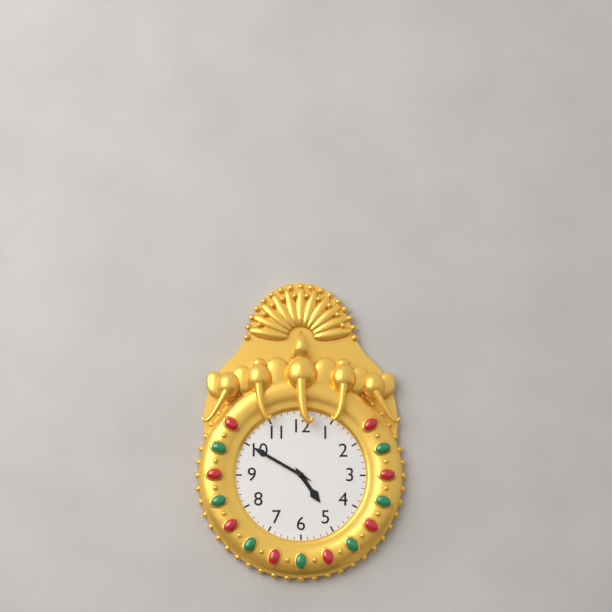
4:50
